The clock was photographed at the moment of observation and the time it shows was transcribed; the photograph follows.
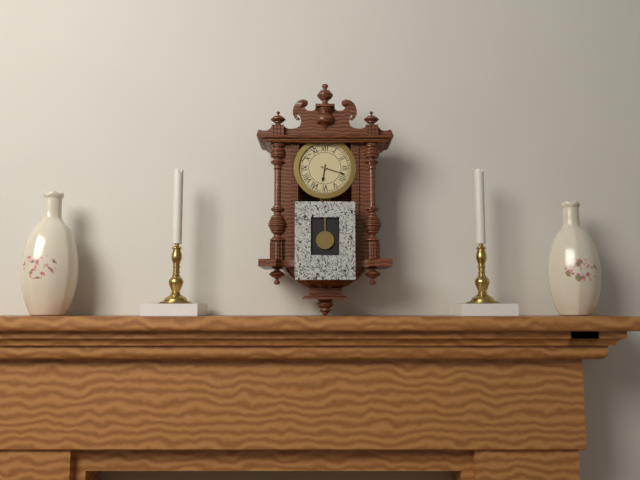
6:18
